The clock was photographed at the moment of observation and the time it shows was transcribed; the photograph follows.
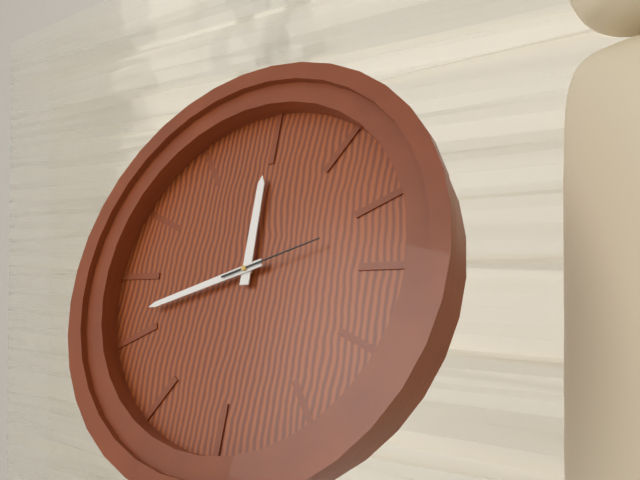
2:57:27
